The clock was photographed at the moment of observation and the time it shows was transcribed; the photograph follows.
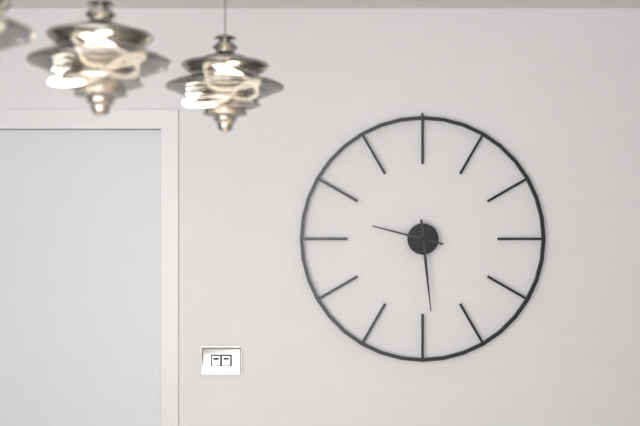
9:29
